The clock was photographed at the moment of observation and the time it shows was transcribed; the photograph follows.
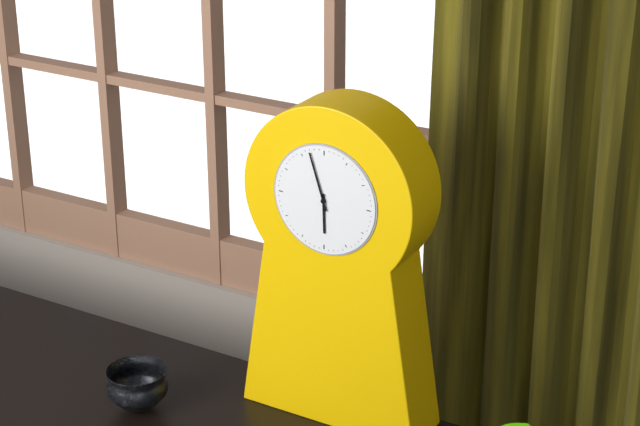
5:57
